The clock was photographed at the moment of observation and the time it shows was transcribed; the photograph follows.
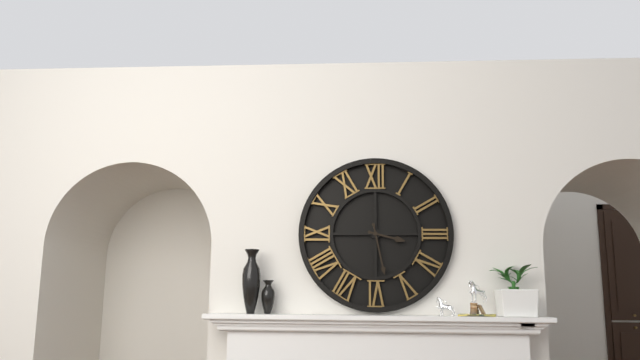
3:28
